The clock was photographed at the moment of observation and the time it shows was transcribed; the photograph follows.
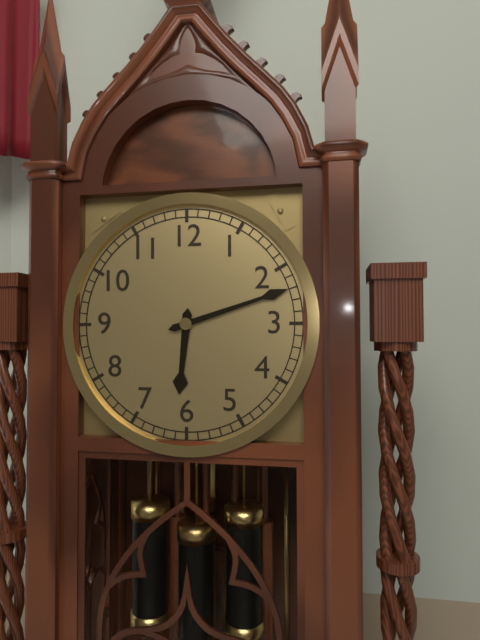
6:12
